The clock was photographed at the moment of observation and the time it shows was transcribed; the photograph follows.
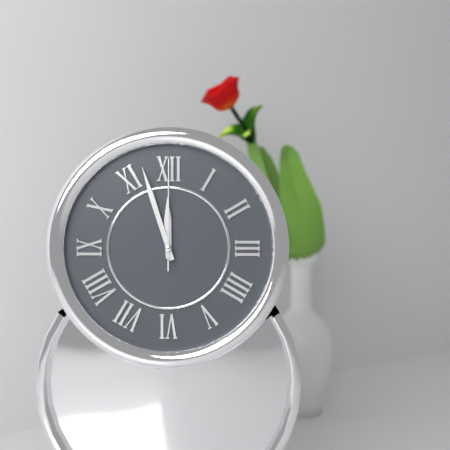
11:57:00
